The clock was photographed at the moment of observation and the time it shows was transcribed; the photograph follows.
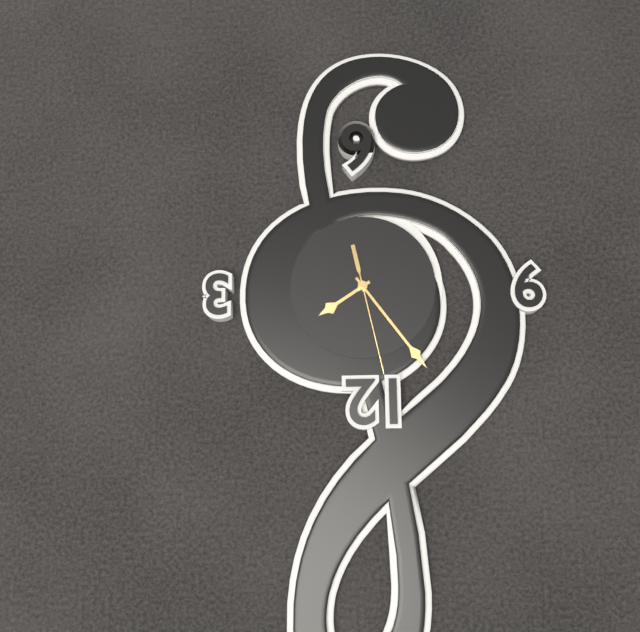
1:54:58
